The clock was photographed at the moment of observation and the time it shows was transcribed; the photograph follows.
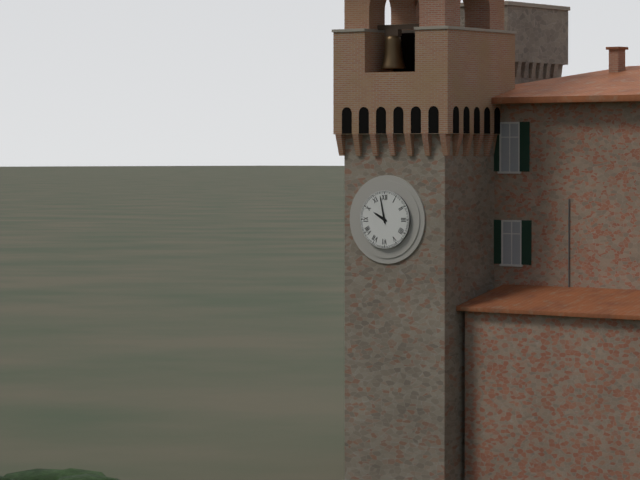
9:58
